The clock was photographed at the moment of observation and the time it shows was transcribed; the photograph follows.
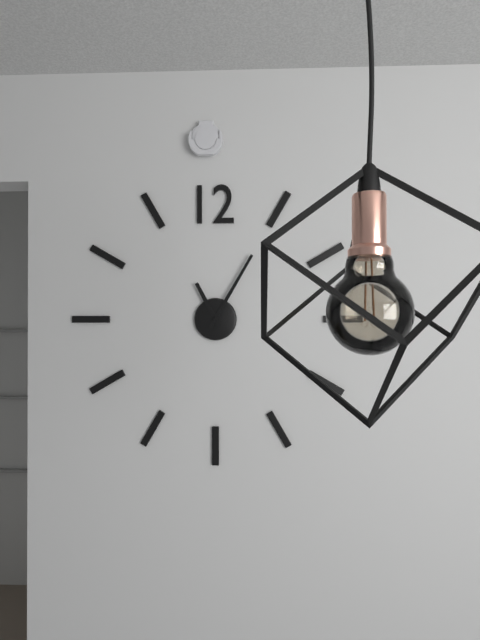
11:05
